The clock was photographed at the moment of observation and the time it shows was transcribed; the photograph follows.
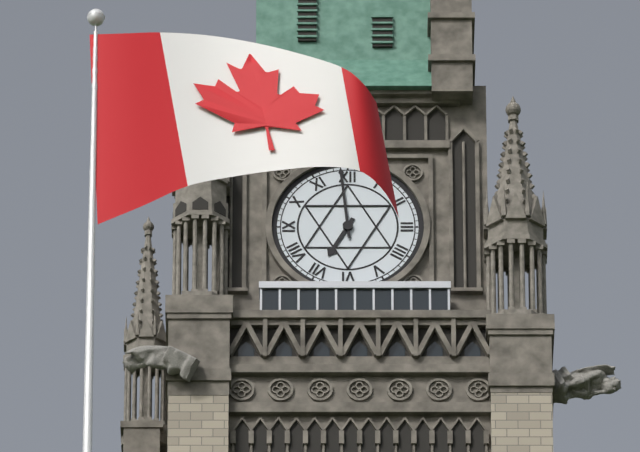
6:59
